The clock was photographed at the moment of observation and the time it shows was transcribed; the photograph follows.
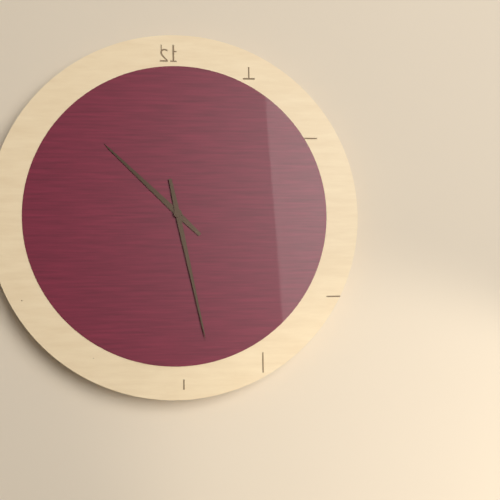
10:28
